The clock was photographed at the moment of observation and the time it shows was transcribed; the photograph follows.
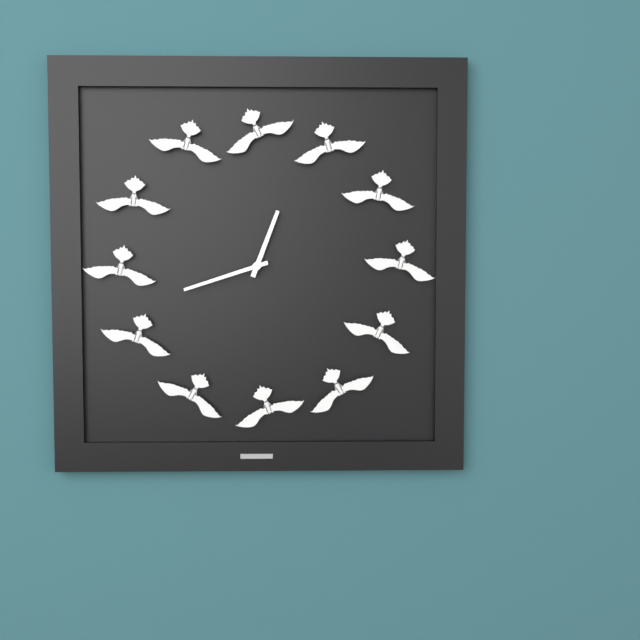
12:42
